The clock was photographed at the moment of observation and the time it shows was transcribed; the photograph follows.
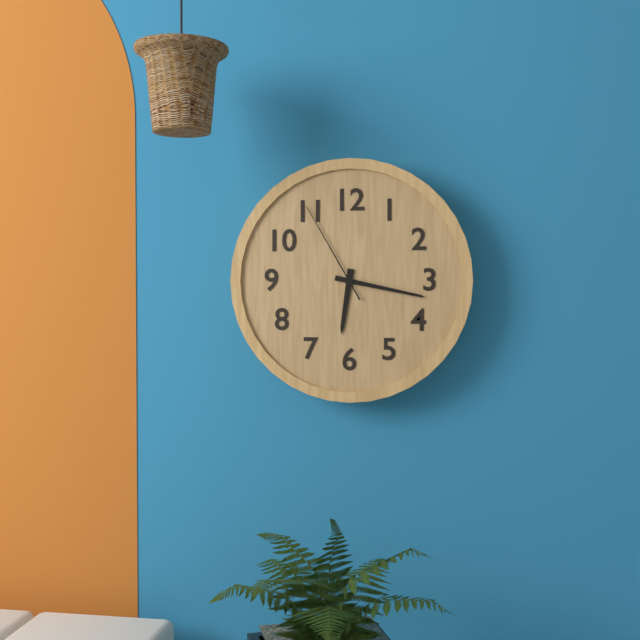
6:17:55
